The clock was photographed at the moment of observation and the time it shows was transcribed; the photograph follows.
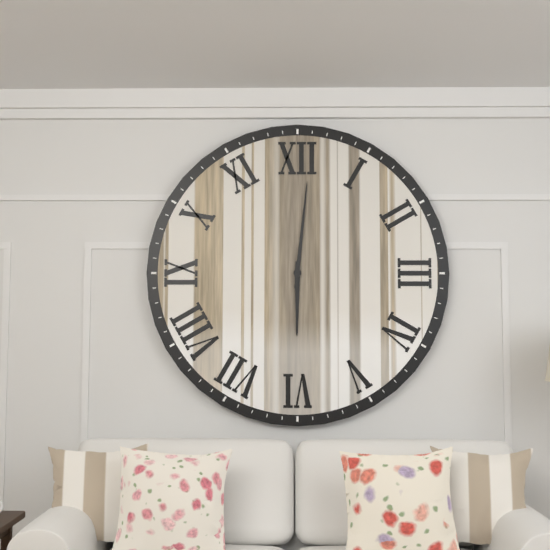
6:01
